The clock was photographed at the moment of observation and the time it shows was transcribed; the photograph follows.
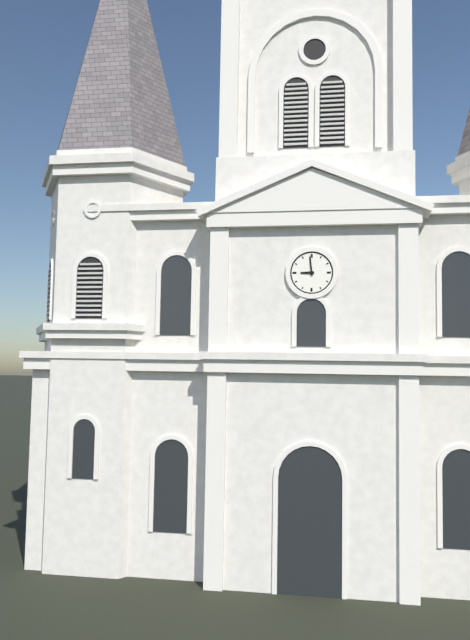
8:59
